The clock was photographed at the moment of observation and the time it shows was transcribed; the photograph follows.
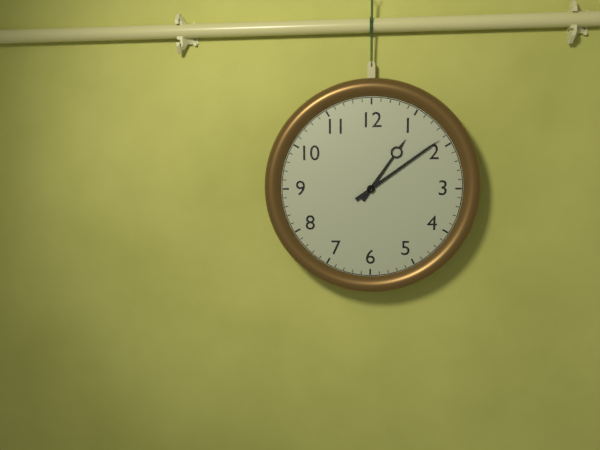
1:09
